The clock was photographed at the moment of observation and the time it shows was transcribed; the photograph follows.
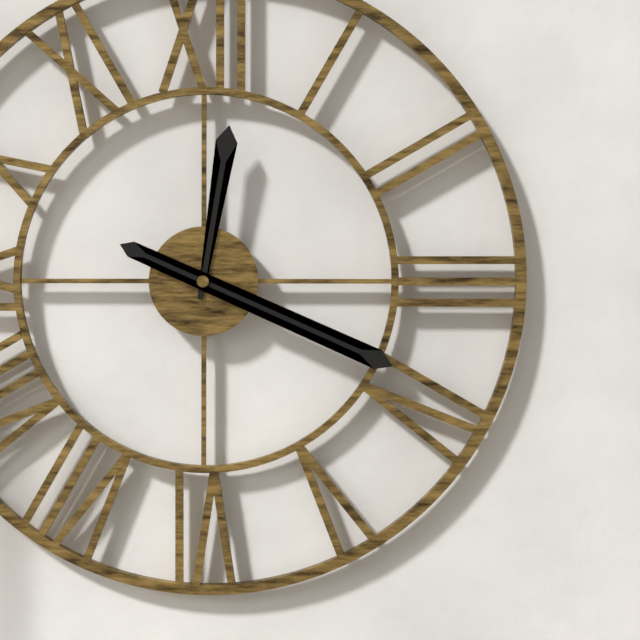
12:19
